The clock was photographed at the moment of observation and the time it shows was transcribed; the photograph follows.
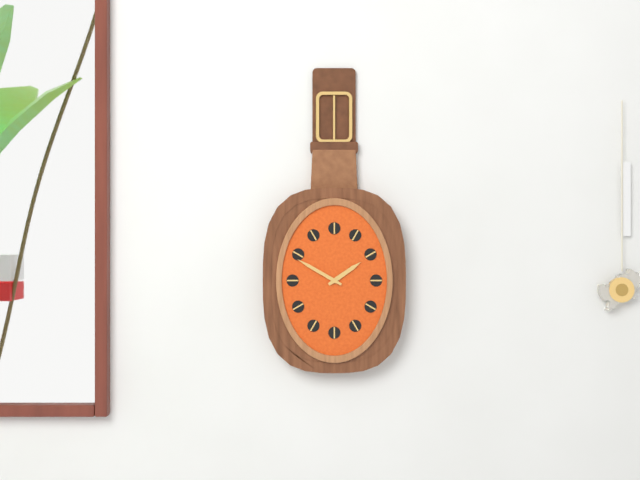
1:50
